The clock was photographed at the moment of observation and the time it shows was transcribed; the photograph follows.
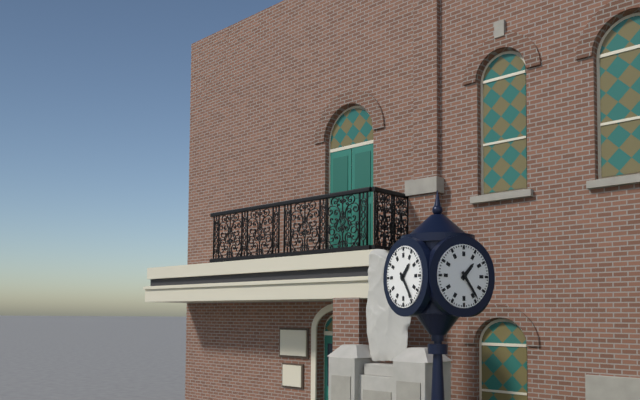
1:24
